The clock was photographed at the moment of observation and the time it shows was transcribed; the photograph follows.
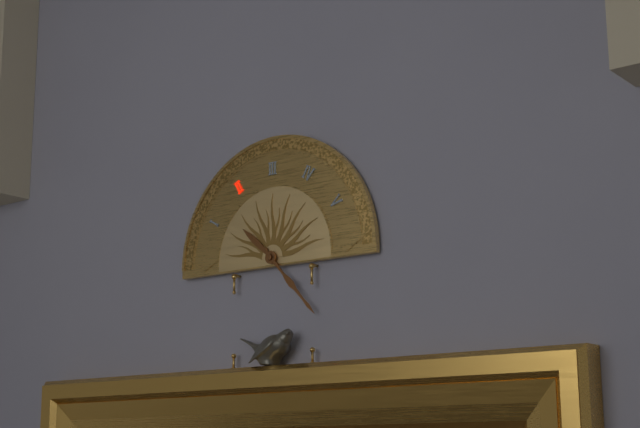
10:23
